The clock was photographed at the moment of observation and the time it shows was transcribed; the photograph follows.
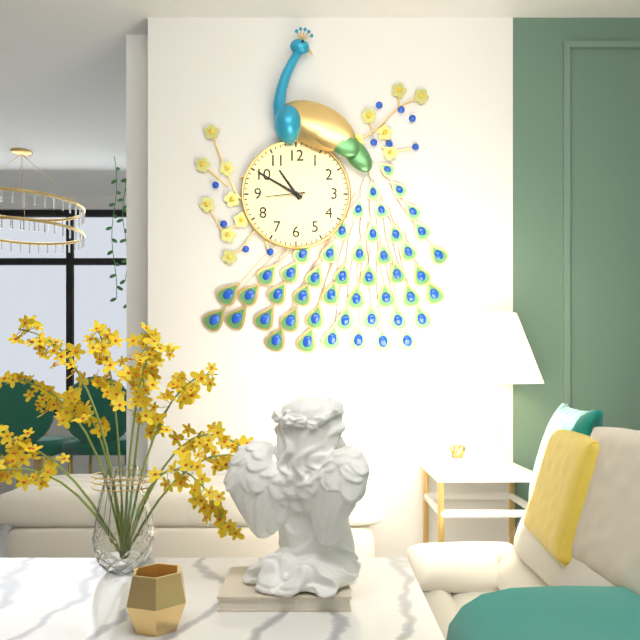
10:50
